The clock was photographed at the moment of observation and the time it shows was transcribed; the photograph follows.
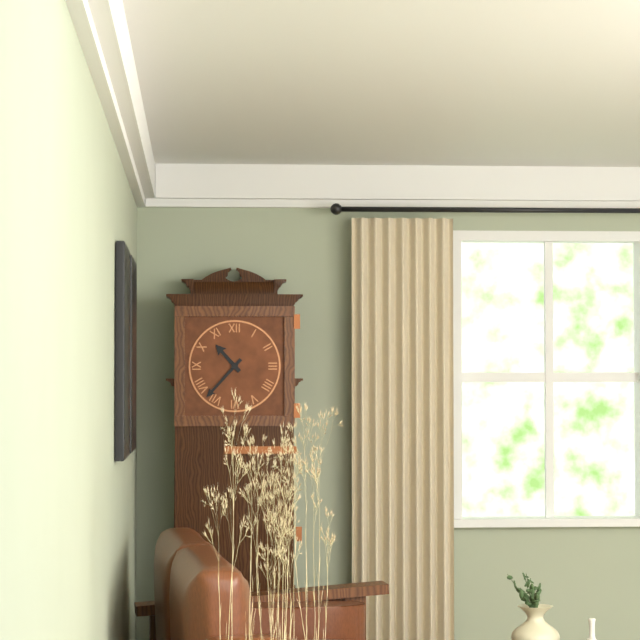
10:37
